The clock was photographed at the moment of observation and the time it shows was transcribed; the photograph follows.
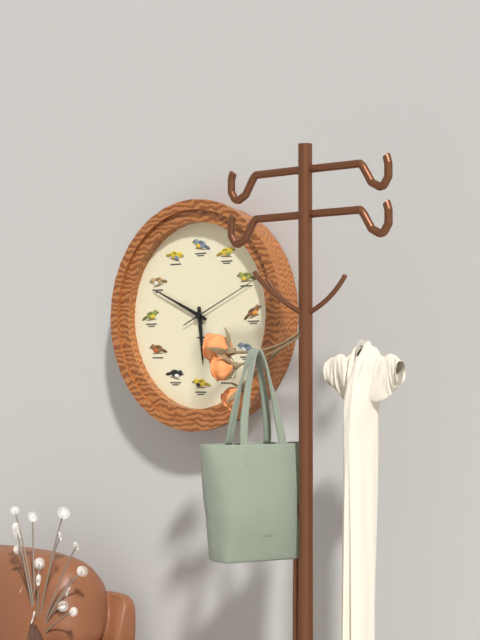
5:49:11
